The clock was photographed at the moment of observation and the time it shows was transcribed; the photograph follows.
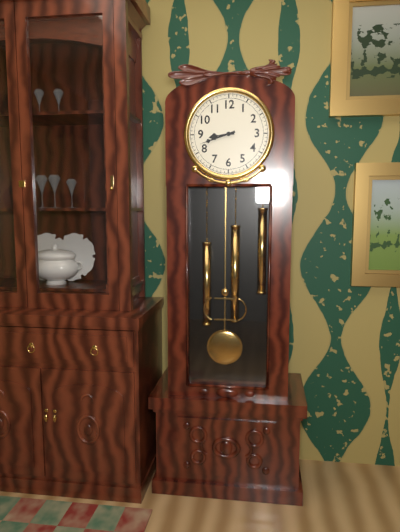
8:42
